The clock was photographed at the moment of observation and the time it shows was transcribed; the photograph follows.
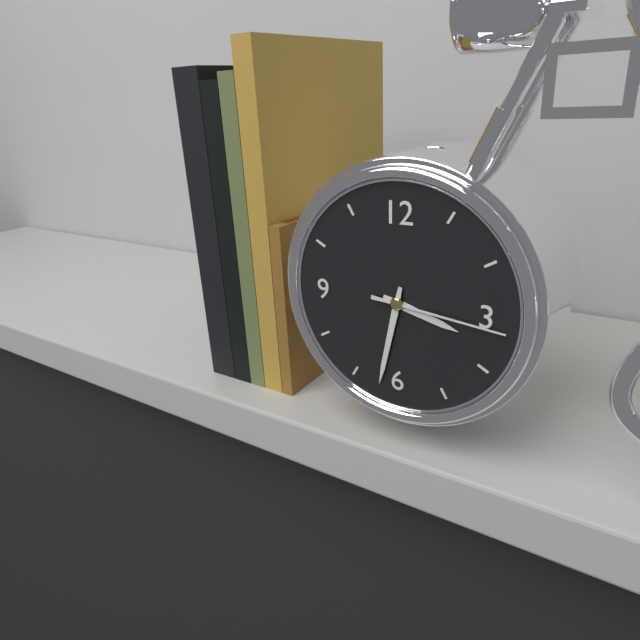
3:32:16
